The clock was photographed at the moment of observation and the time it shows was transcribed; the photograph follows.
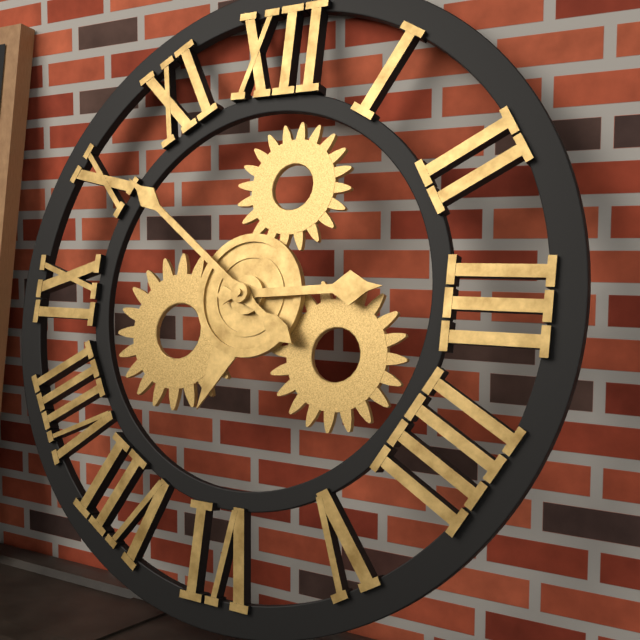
2:51
